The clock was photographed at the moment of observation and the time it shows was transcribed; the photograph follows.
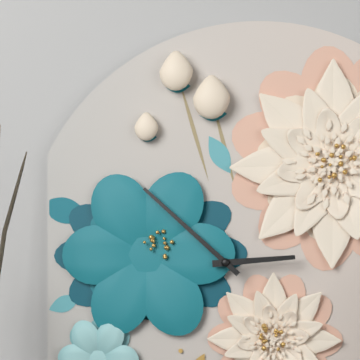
2:52
